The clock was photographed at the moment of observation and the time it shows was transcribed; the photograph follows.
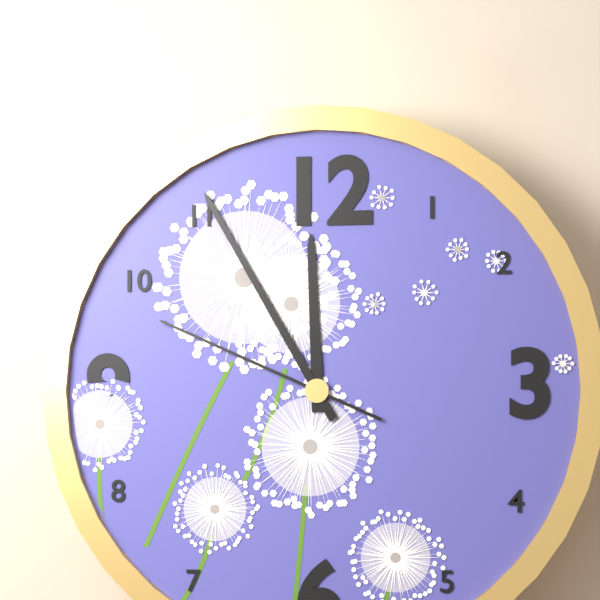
11:55:49
